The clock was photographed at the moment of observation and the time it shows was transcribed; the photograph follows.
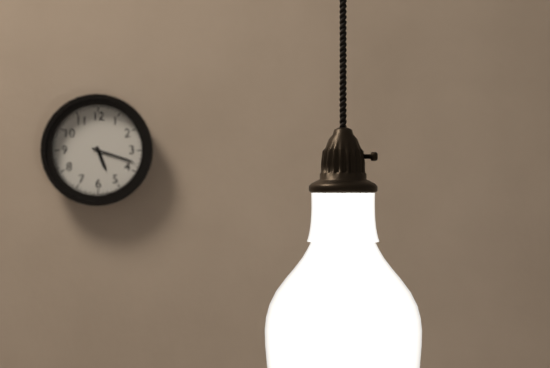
5:18
